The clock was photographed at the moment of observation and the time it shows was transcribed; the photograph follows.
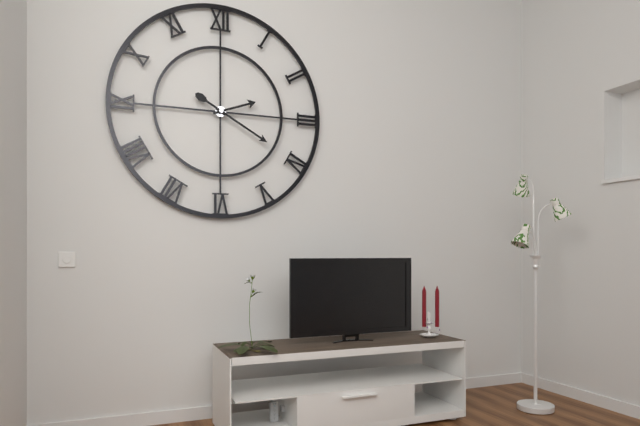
2:20
